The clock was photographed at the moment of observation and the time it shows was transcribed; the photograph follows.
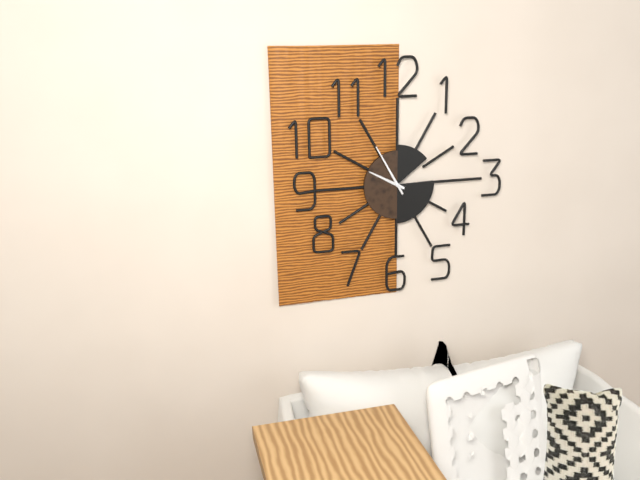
9:55
